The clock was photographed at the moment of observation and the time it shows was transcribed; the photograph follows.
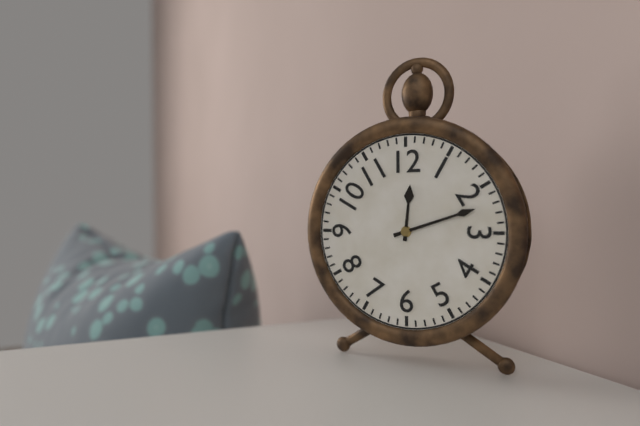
12:12
